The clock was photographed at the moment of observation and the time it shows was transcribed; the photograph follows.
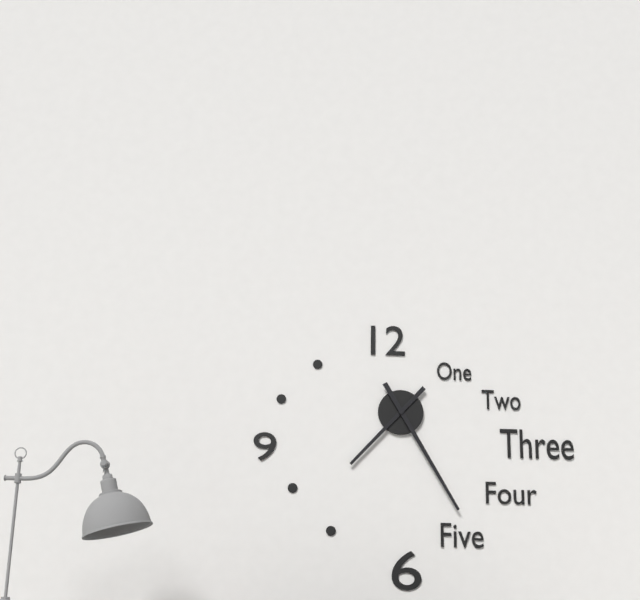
7:25
